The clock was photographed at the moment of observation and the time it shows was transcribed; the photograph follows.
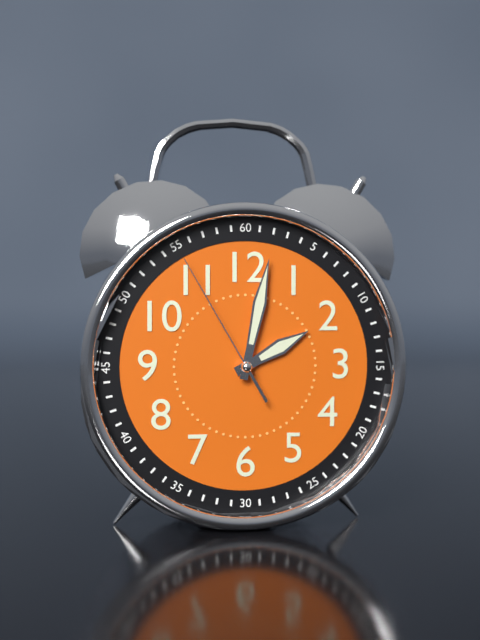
2:02:55
